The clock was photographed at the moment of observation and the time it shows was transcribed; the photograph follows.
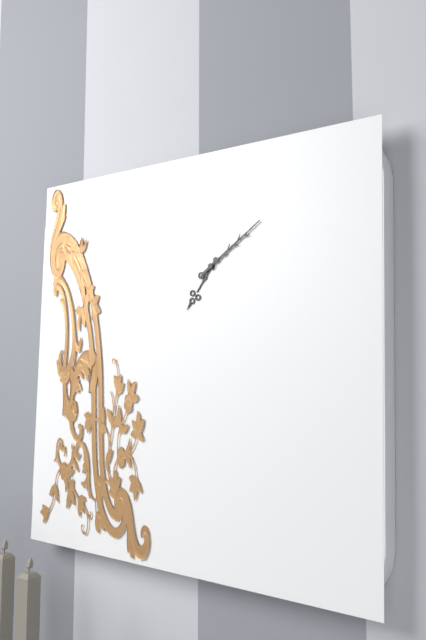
7:09
